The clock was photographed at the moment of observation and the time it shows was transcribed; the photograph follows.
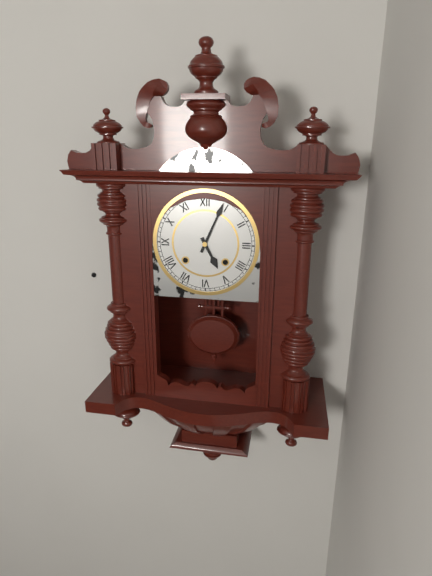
5:04
